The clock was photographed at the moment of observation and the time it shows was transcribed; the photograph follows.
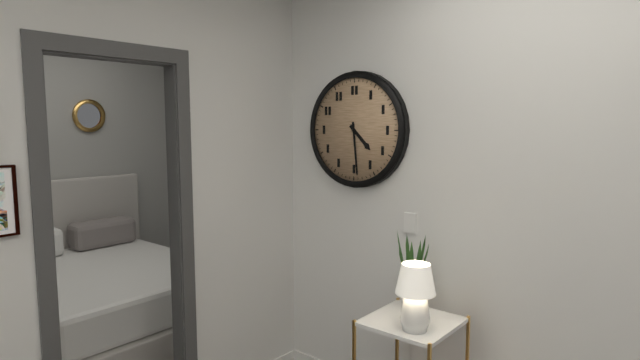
4:29
